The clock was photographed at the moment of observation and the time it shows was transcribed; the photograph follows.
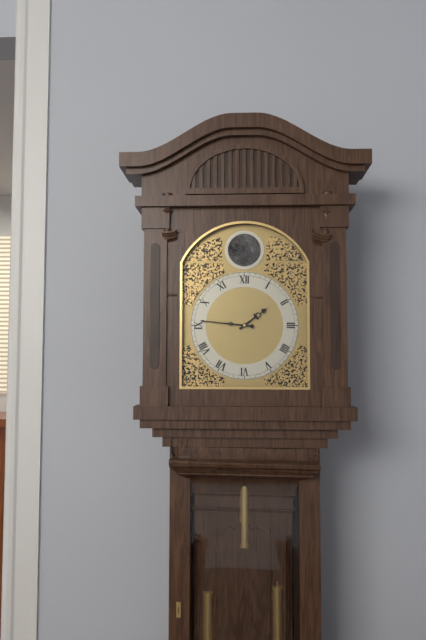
1:46
